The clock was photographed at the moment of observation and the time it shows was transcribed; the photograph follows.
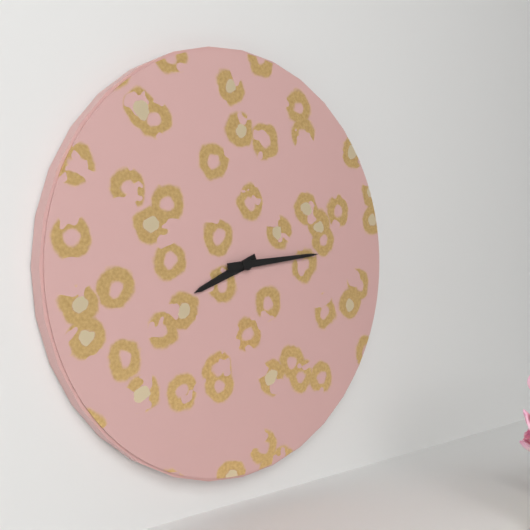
8:14
